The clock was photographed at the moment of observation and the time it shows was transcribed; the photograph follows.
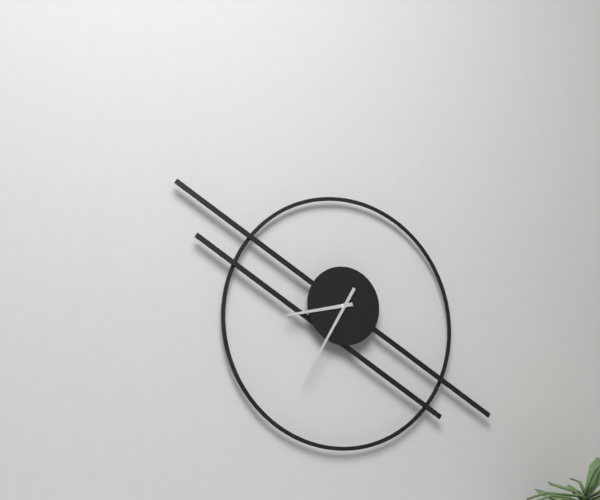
8:35
